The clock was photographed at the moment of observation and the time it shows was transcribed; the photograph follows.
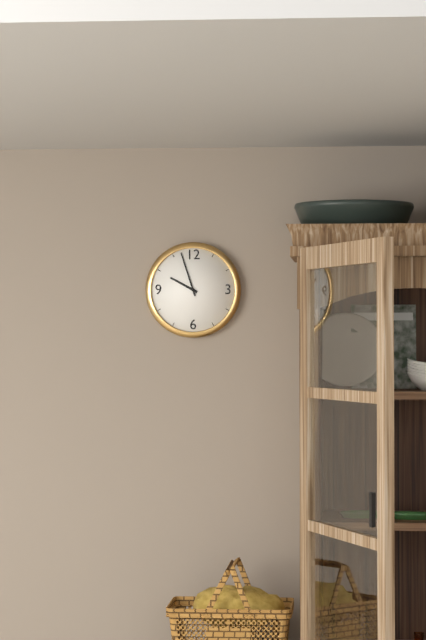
9:57
